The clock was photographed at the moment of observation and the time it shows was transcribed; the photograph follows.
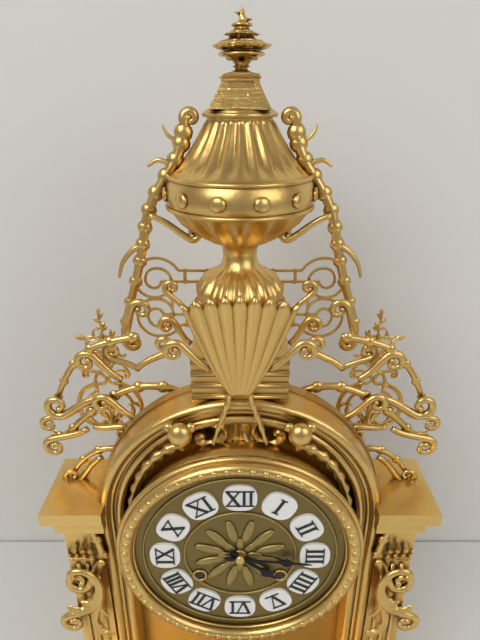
4:16
